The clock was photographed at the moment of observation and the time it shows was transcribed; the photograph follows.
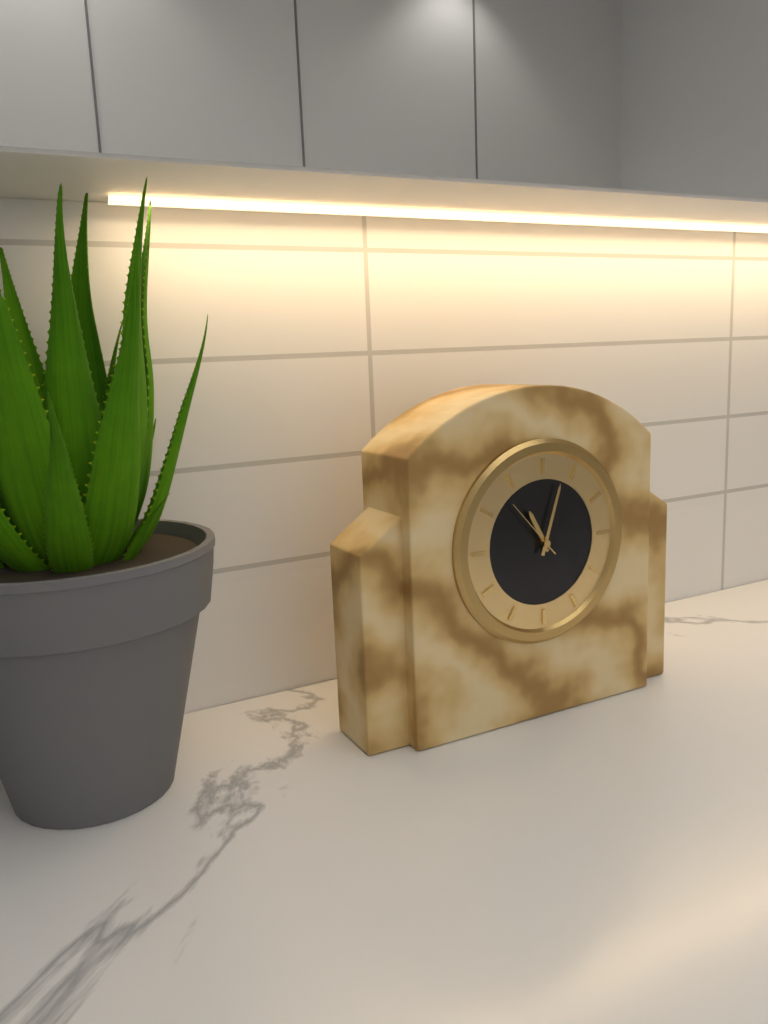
11:03:53
